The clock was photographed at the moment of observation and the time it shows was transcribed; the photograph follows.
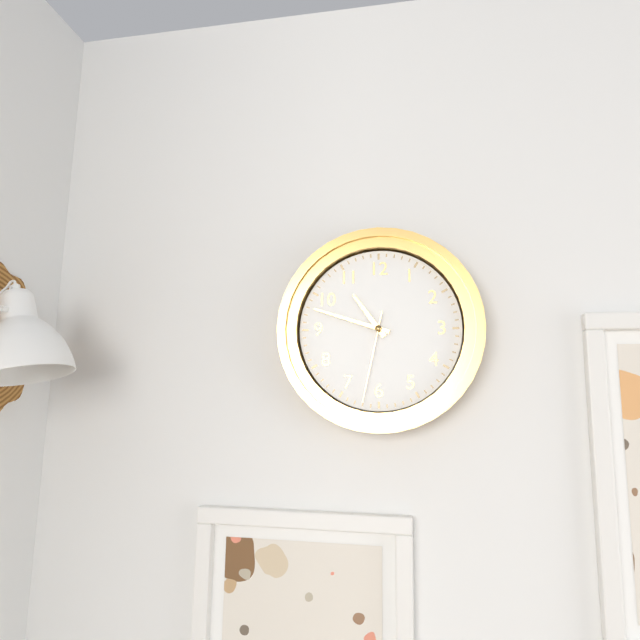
10:48:32
